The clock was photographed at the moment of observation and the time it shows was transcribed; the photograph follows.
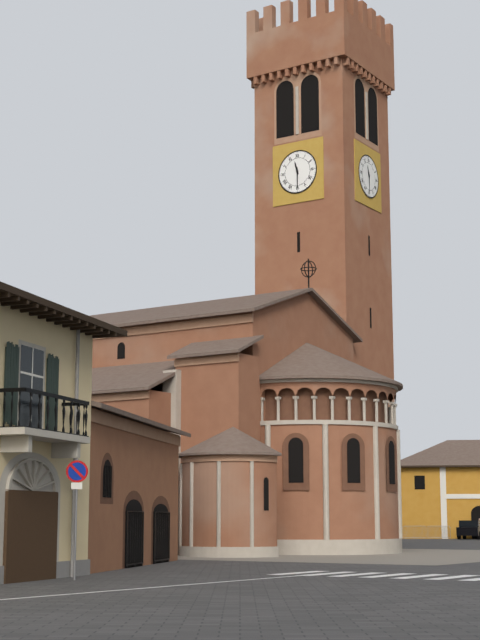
11:30
